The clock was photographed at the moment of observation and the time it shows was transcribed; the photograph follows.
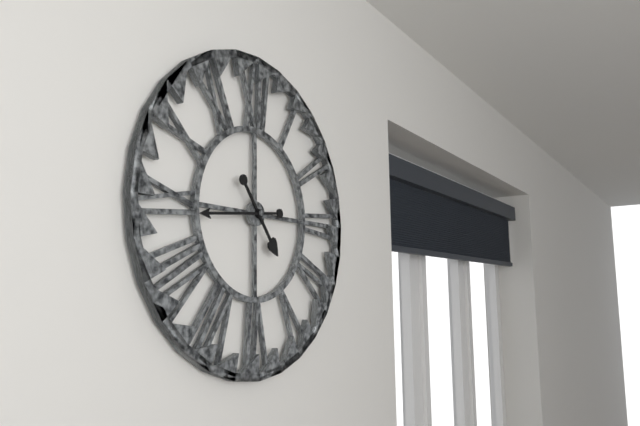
4:44
